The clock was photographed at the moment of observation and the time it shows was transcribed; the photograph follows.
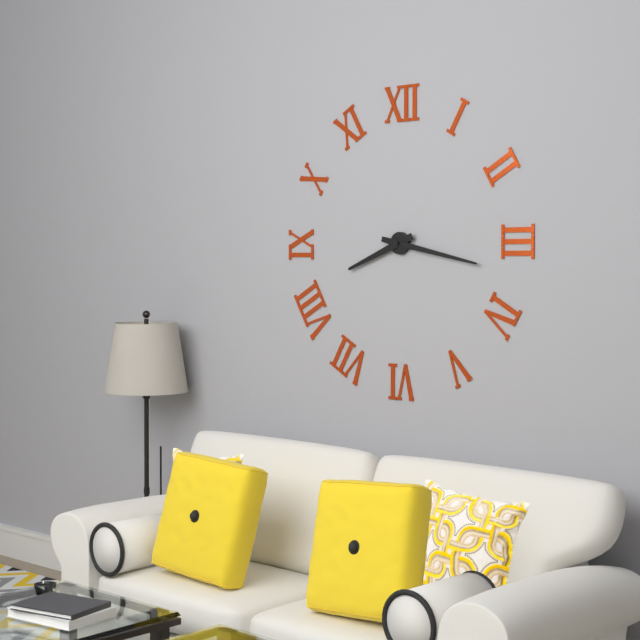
8:17
